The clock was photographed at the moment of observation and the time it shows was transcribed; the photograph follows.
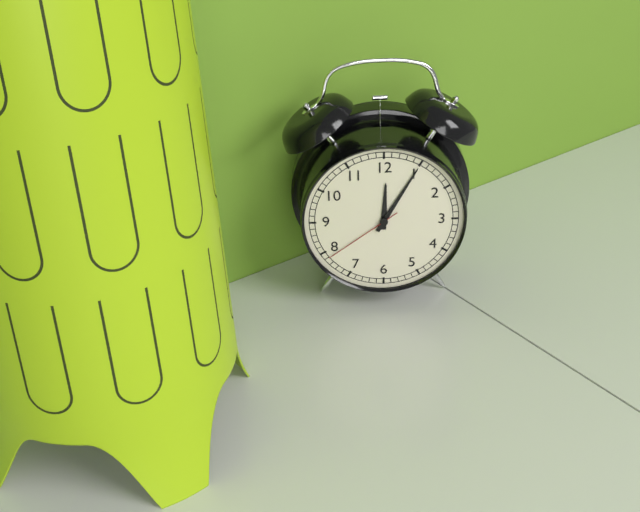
12:05:39
